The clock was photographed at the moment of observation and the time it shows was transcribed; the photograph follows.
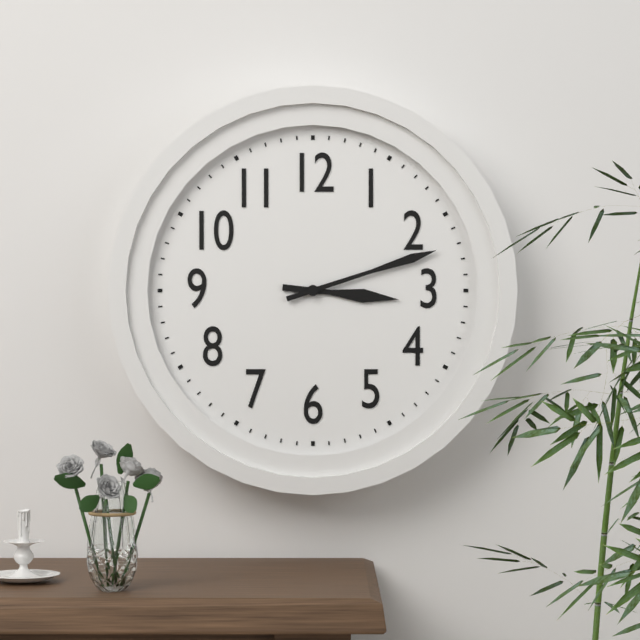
3:12
